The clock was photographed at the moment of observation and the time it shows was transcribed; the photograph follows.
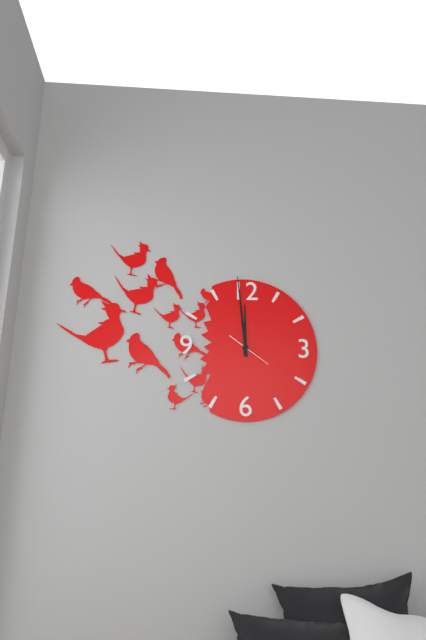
11:59
